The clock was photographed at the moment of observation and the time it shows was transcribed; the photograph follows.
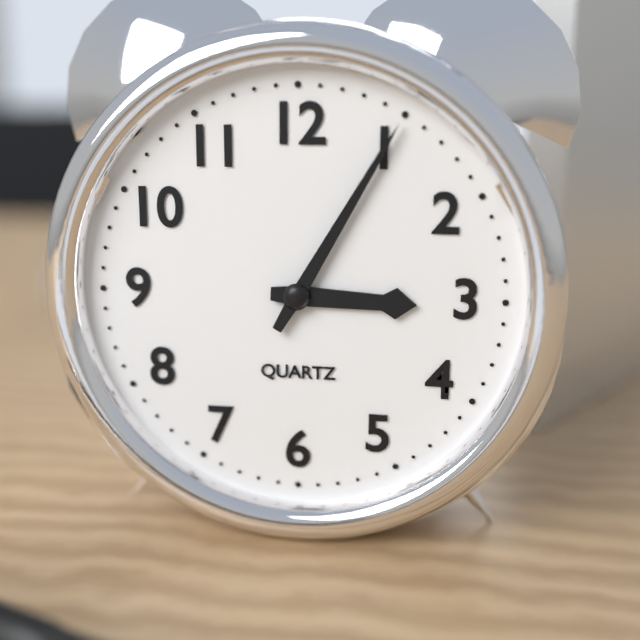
3:05
